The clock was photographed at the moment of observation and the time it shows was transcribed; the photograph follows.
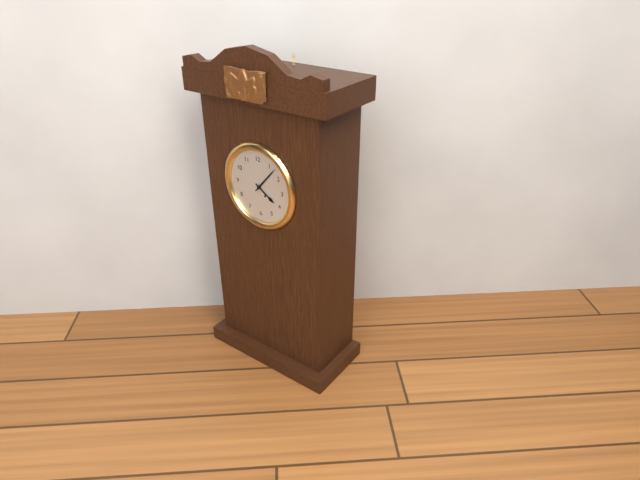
4:07
